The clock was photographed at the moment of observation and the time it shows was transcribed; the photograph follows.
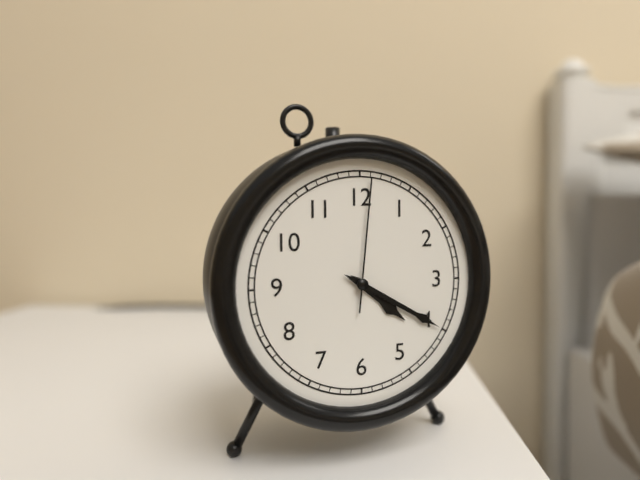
4:20:01
